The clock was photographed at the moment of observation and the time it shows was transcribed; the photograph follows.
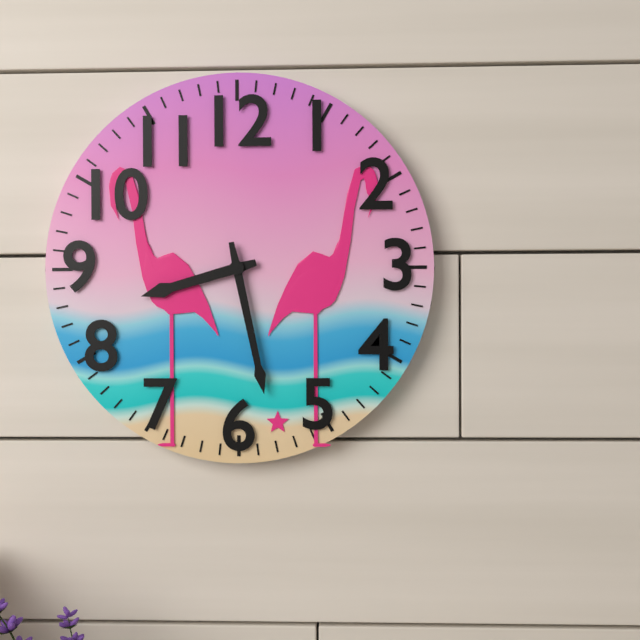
8:28
